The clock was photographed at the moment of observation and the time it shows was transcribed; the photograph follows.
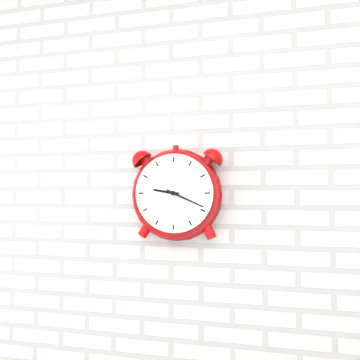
9:19
